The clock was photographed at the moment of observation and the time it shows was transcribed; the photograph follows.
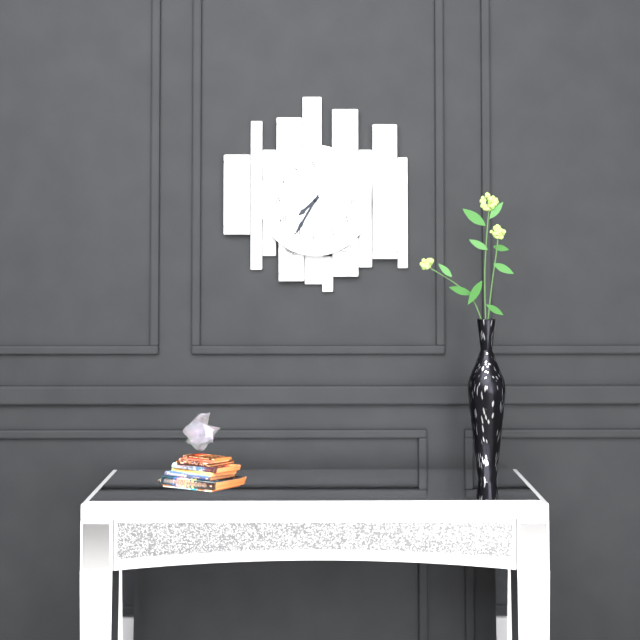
7:35
